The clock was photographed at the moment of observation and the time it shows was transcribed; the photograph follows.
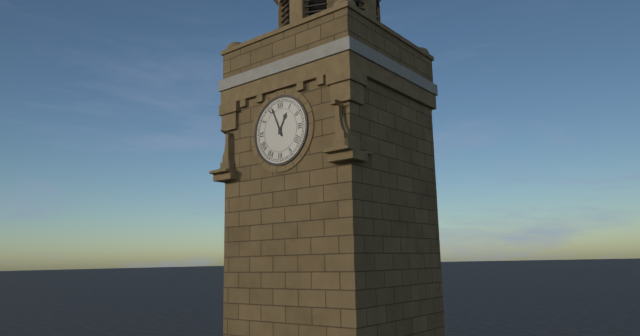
12:56
